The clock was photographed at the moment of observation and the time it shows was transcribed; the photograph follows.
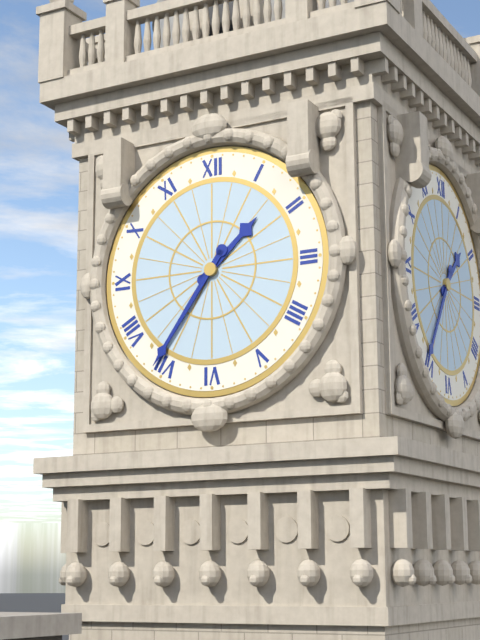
1:36
